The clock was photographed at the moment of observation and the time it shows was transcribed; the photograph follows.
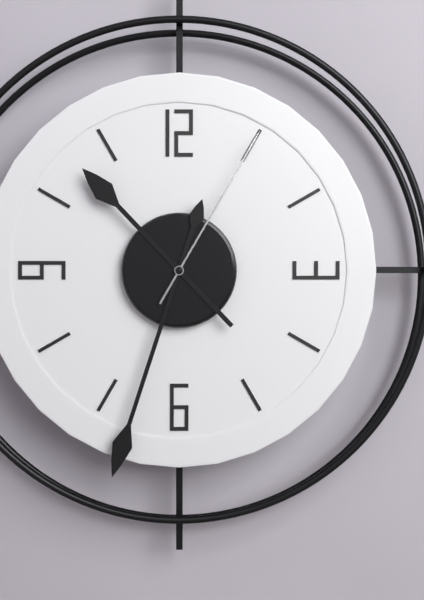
10:33:05
